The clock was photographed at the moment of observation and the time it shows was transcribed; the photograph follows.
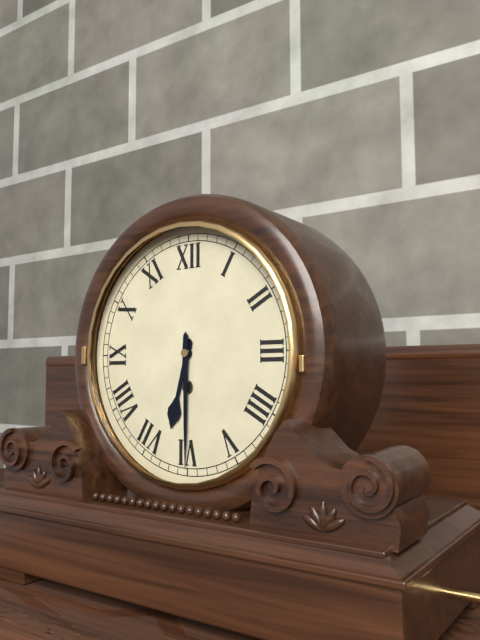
6:30
